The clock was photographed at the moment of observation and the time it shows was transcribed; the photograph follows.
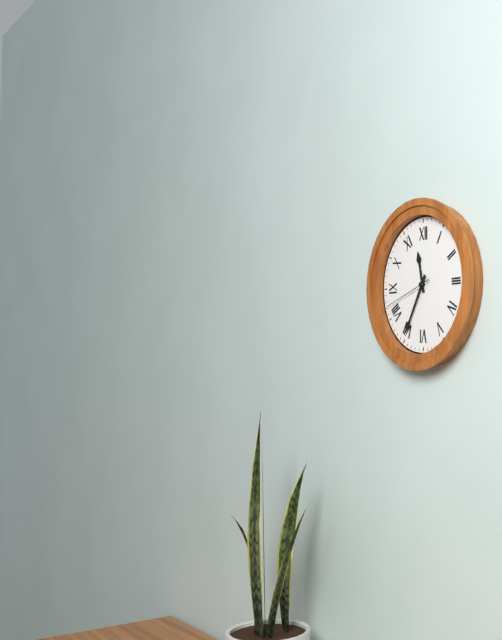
11:35:42
